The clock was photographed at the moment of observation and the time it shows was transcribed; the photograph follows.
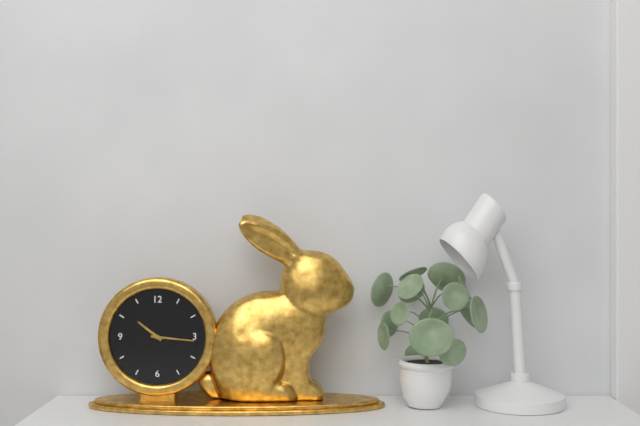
10:16
